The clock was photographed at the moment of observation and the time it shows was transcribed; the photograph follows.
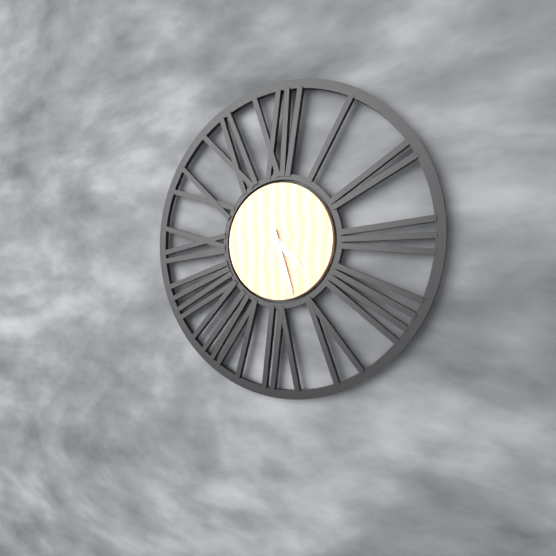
4:27
